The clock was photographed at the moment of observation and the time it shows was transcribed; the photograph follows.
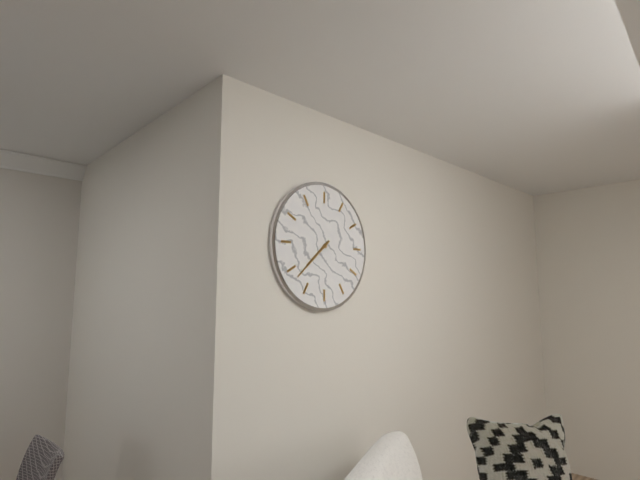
7:38
